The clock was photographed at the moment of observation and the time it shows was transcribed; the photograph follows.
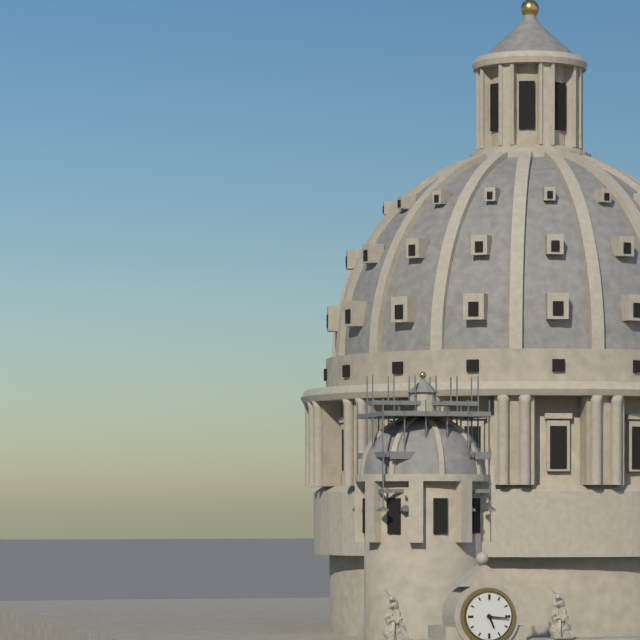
5:16
